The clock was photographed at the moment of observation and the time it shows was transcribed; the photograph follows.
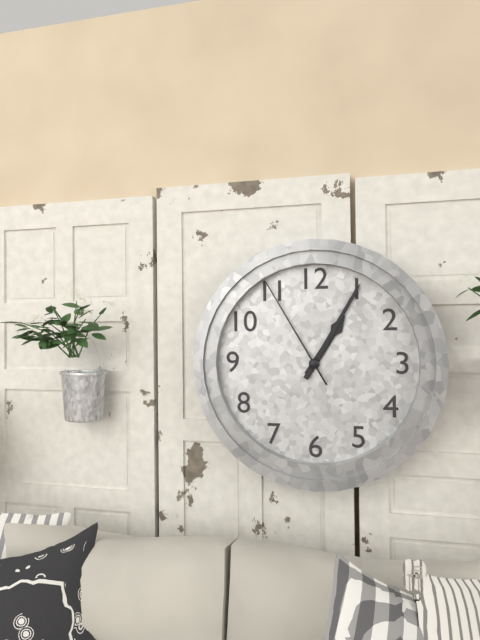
1:05:55
